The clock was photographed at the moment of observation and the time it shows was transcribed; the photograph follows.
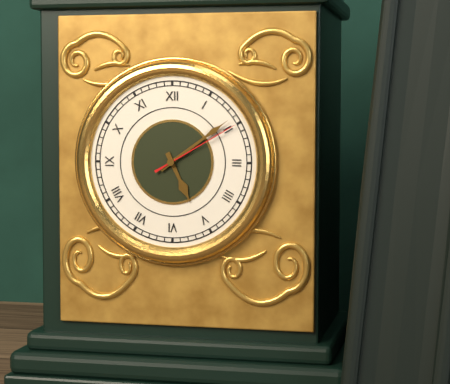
5:09:10
